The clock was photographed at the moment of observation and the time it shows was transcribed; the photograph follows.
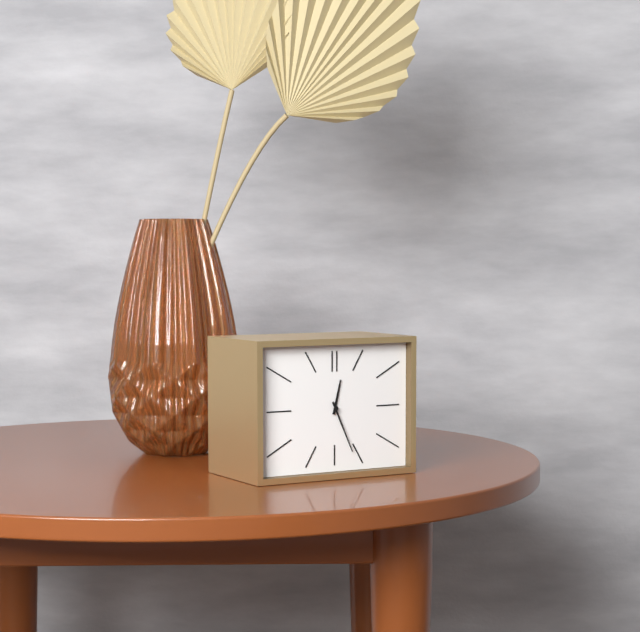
12:26
